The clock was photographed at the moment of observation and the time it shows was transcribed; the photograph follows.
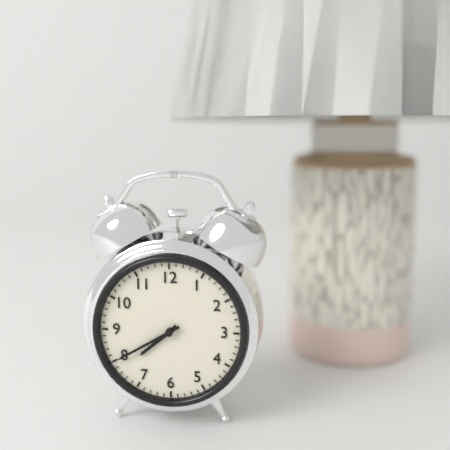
7:40
